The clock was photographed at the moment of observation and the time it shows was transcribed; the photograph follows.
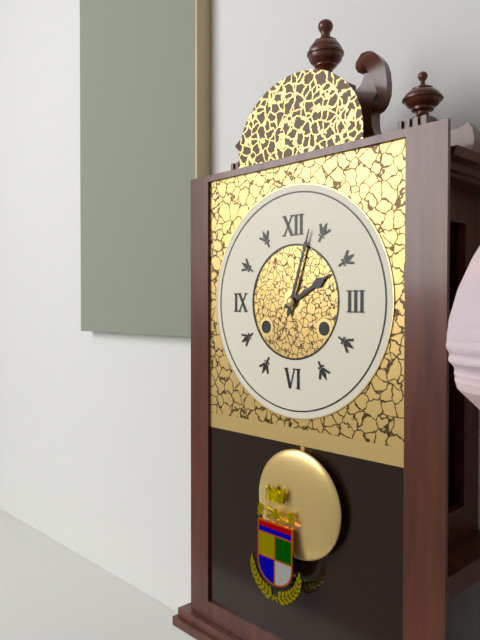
2:03
